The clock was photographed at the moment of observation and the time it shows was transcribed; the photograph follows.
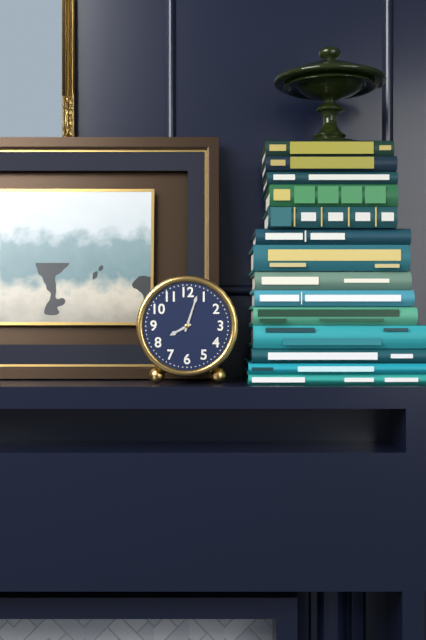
8:03
